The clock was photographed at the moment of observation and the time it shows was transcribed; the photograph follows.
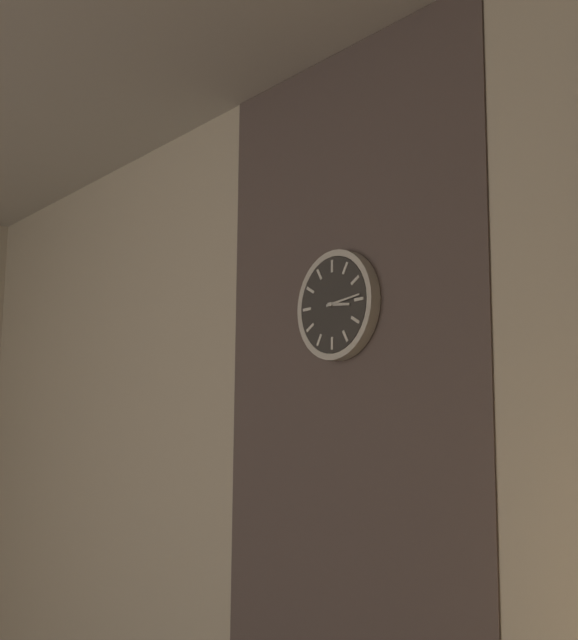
3:14
